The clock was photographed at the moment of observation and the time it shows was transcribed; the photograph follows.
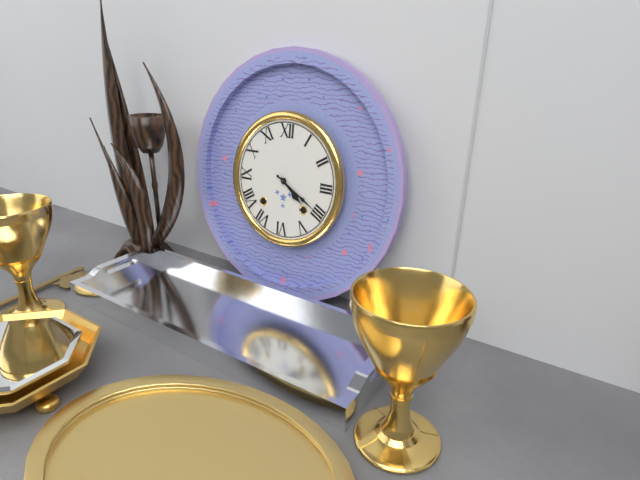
4:20
